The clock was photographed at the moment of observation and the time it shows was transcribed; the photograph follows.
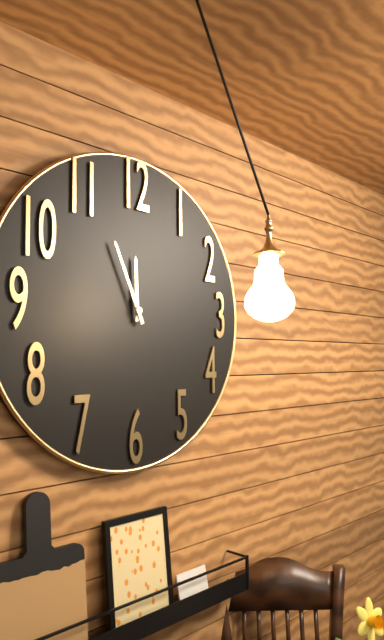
11:56
